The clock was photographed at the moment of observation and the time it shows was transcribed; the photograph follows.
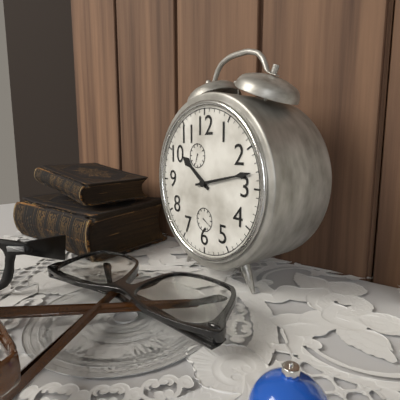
10:13
